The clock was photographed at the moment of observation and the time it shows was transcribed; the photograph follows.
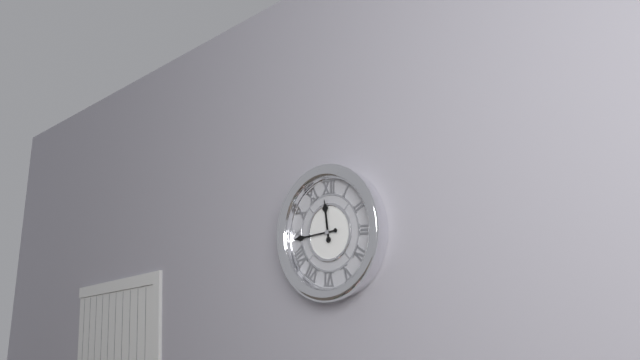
11:44
